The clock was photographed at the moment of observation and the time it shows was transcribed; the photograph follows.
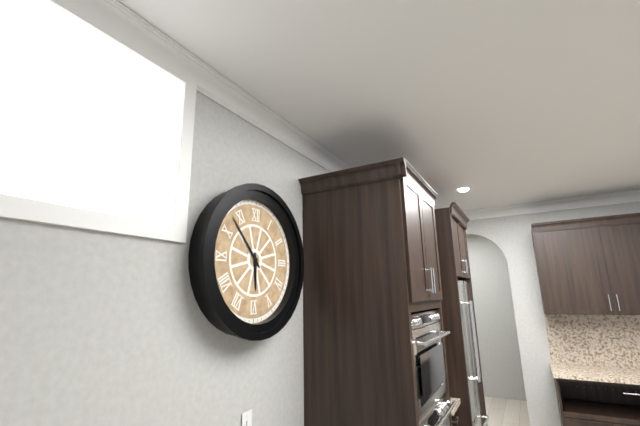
5:53
